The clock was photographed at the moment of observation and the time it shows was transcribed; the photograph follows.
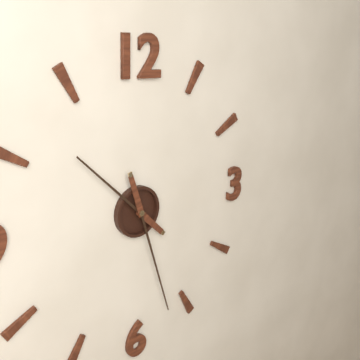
10:27
